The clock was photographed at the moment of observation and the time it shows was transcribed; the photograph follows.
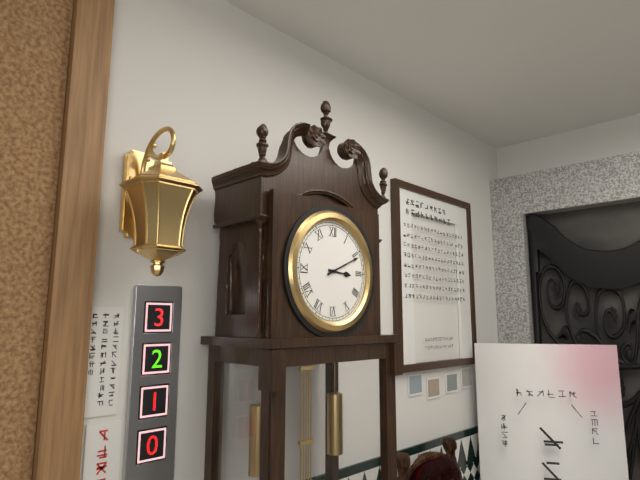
3:11
